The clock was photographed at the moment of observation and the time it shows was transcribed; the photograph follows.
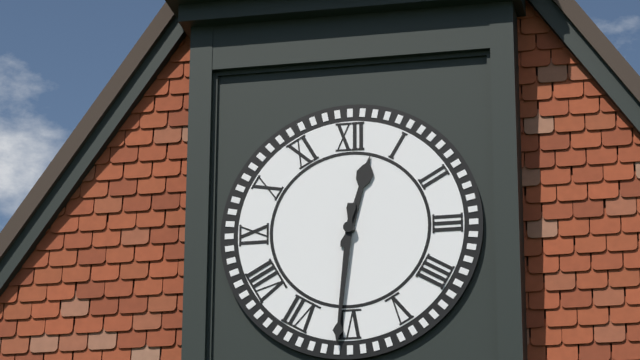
12:31
